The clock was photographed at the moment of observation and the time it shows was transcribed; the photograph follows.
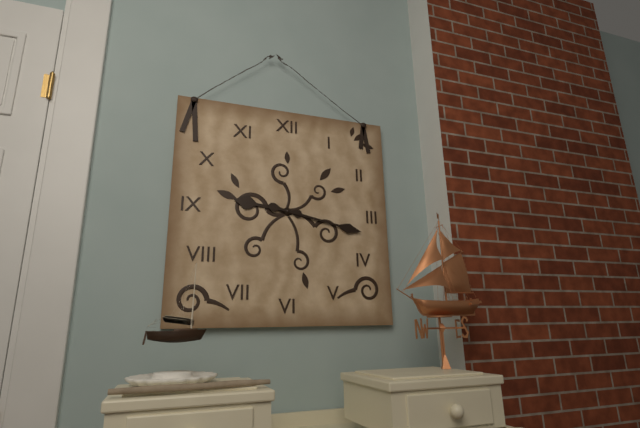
9:17
